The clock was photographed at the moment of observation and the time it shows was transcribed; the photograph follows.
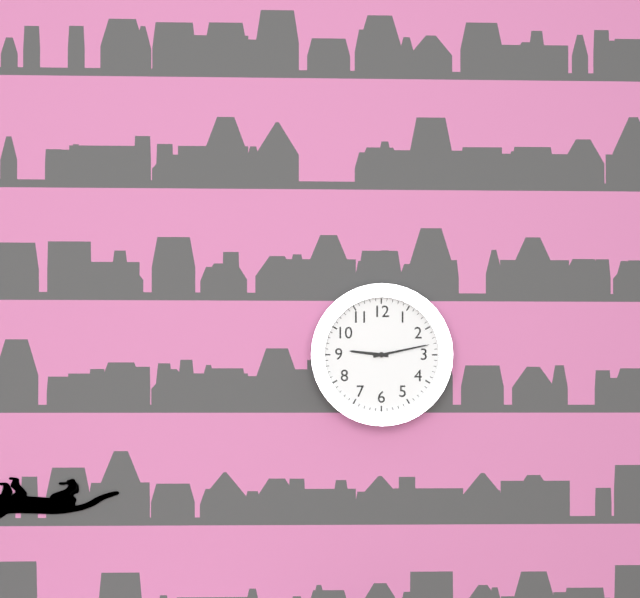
9:13
